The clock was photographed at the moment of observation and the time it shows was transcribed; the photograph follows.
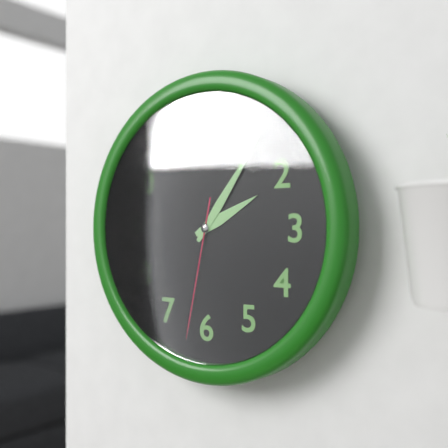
2:06:32
